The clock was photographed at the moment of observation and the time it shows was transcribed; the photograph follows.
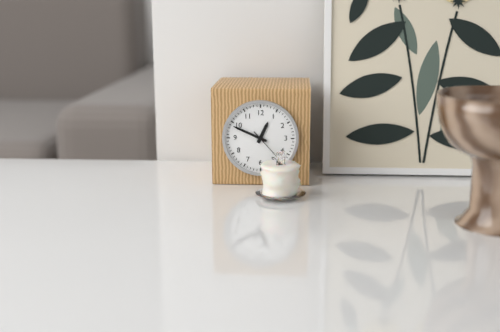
12:49
